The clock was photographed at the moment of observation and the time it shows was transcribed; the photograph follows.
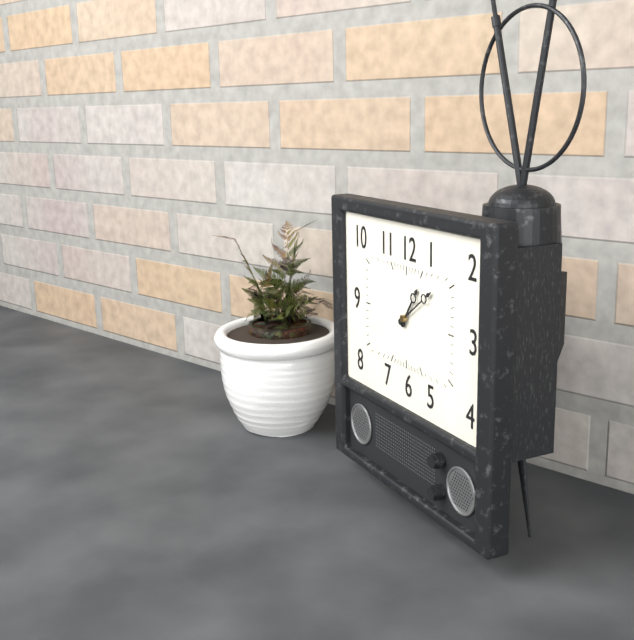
1:09
